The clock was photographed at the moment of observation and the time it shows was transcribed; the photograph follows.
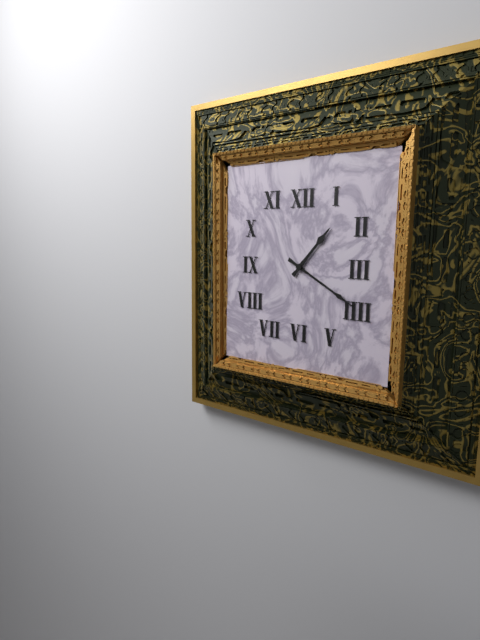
1:20
